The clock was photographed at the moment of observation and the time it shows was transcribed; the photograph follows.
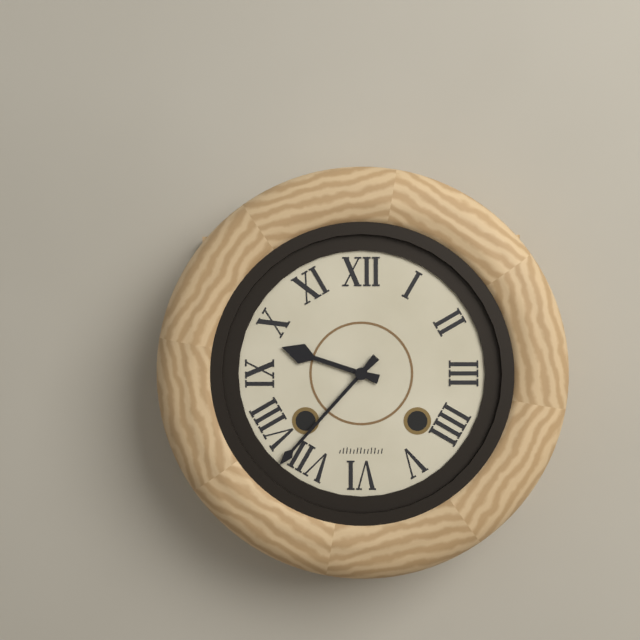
9:37
